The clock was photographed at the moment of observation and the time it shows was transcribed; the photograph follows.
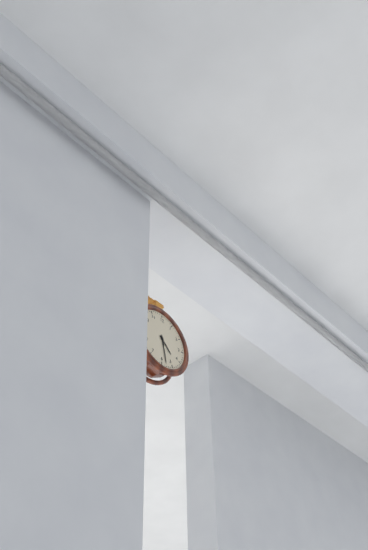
4:28
